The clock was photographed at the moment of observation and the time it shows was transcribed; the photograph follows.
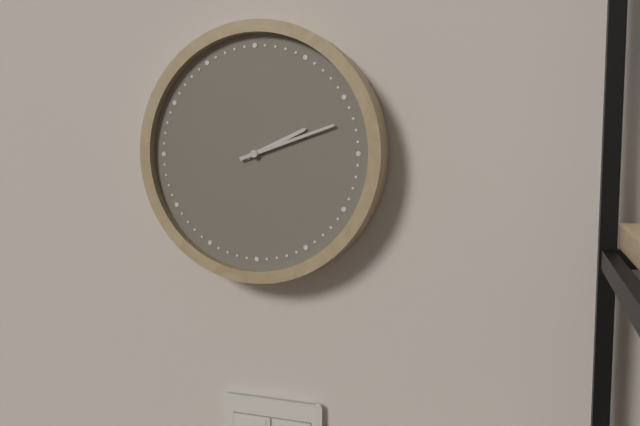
2:12
